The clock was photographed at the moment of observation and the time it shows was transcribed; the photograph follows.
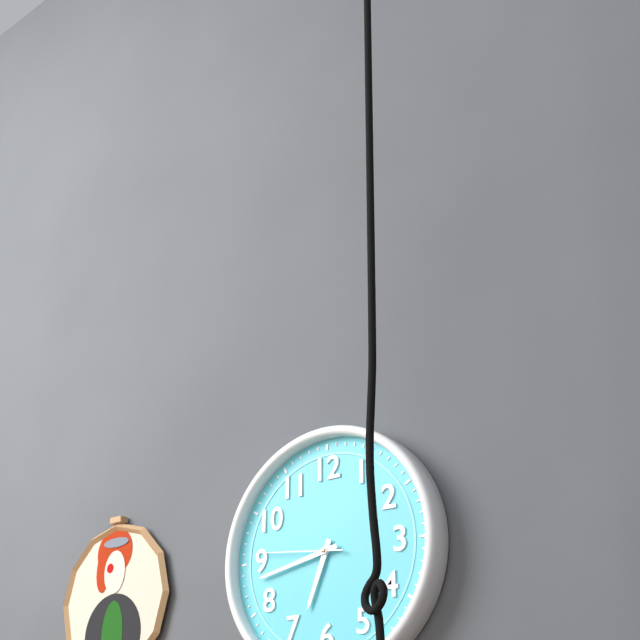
6:43:46
